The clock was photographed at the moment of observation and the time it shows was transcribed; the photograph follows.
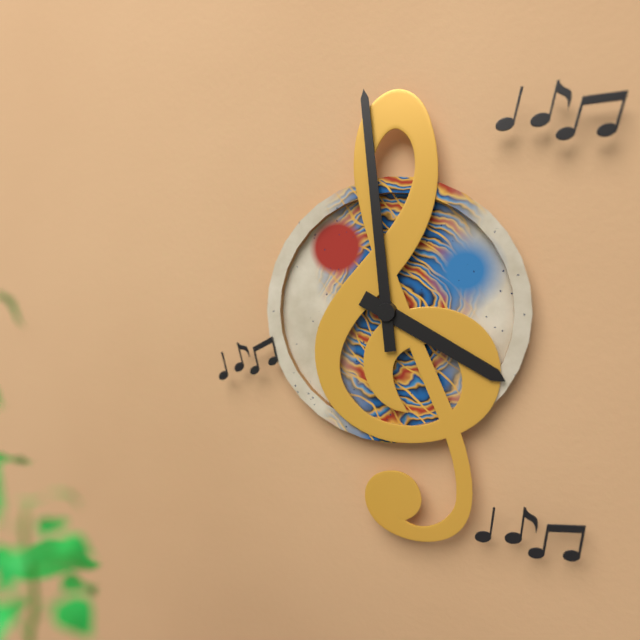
3:59
